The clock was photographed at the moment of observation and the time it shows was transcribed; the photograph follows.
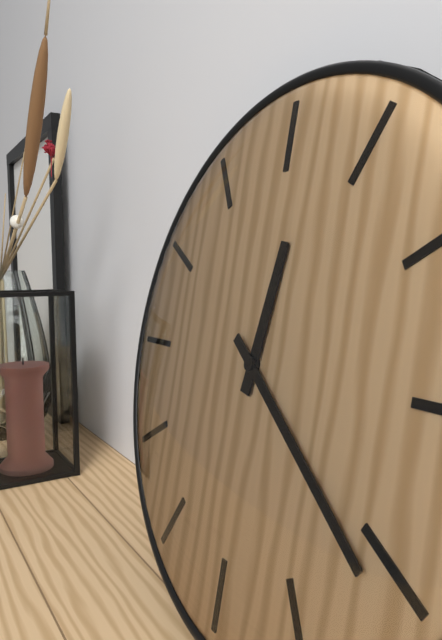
12:21
